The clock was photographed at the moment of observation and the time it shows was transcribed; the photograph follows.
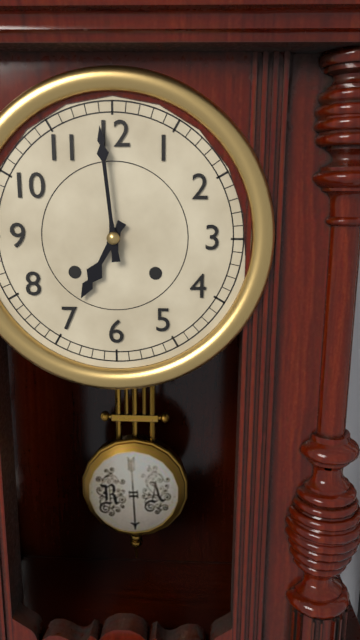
6:59
